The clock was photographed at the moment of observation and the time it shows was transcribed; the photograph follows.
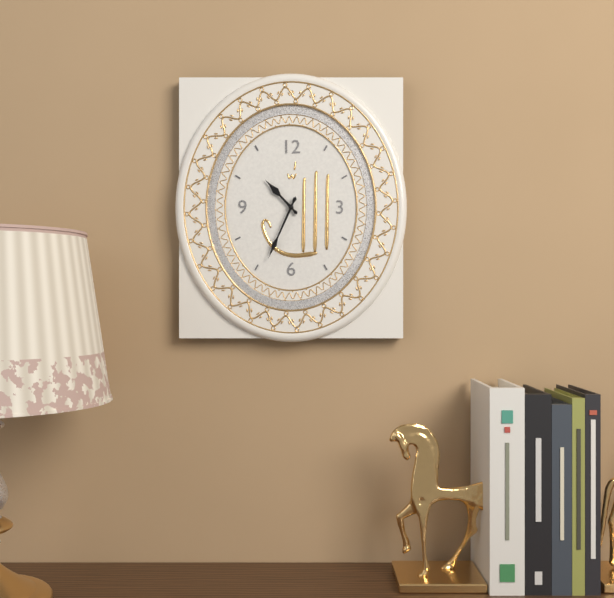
10:34
